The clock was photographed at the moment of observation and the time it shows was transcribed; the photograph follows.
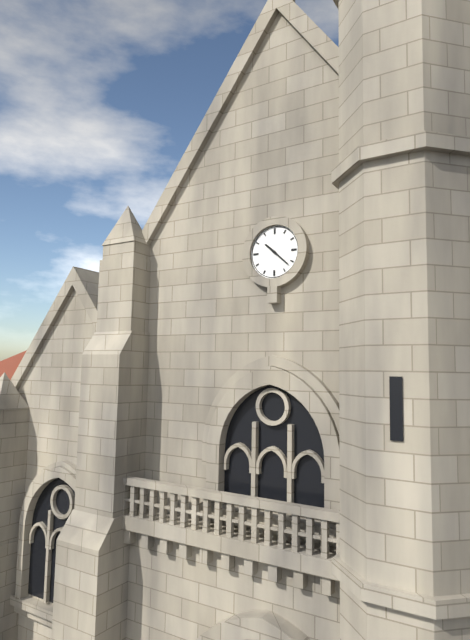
10:22
